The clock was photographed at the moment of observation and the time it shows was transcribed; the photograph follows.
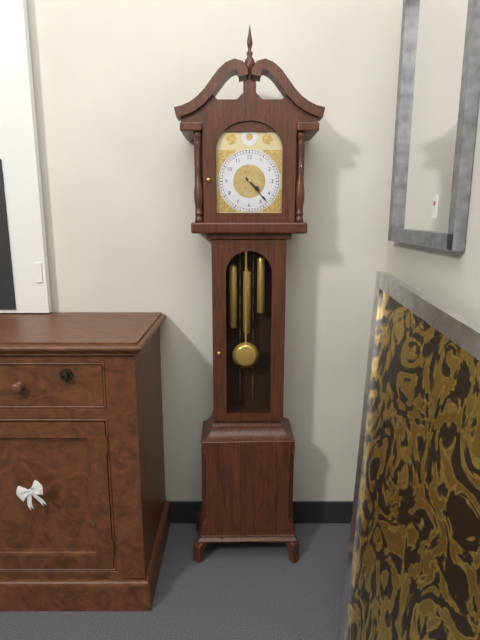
4:23
